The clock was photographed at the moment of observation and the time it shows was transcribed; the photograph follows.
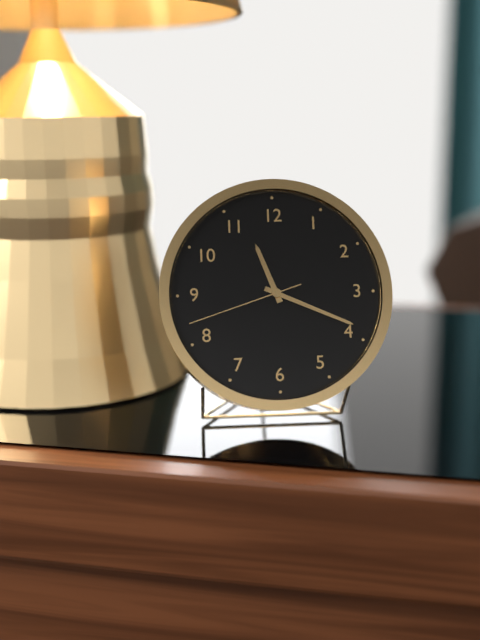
11:19:42
